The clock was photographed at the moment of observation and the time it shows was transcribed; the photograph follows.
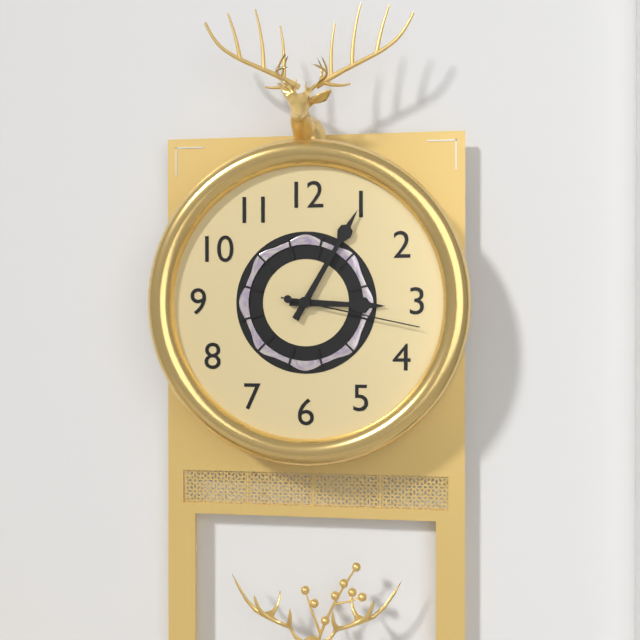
3:05:17
